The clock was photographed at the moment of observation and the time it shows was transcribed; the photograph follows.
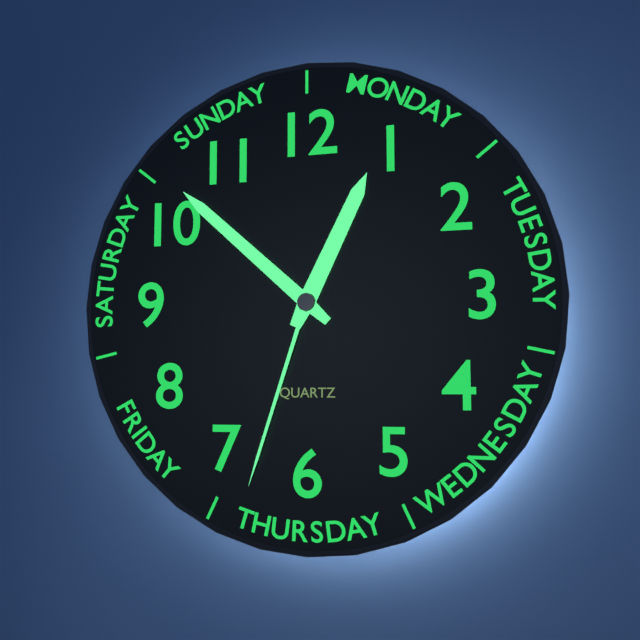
12:52:33
